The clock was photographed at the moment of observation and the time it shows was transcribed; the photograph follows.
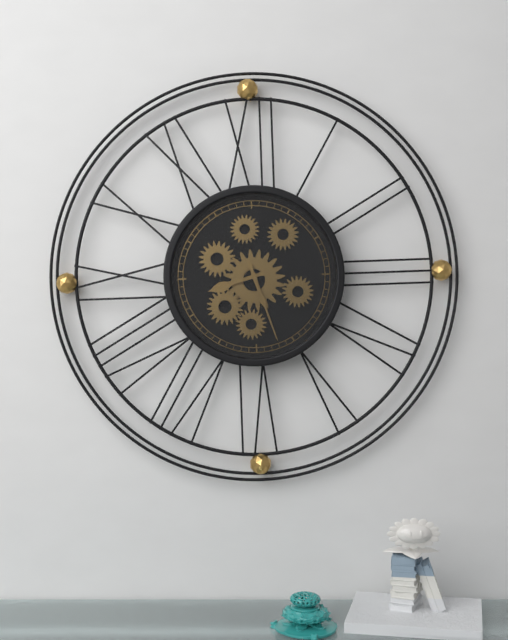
8:27
